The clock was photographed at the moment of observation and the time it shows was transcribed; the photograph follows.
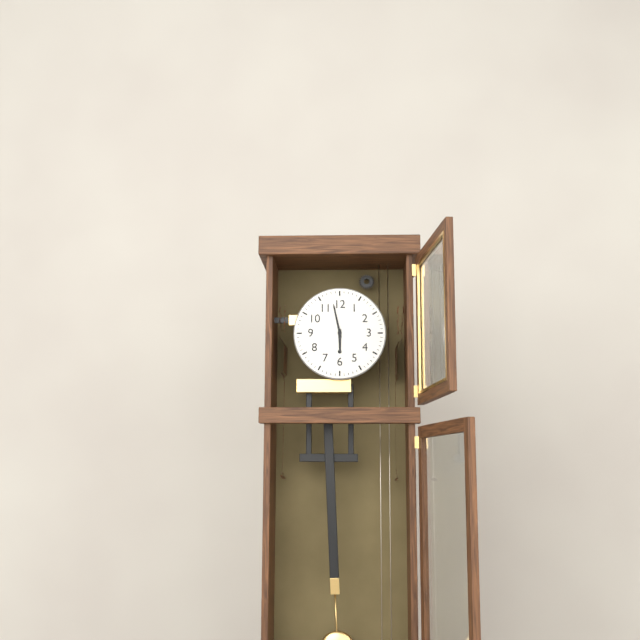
5:58
